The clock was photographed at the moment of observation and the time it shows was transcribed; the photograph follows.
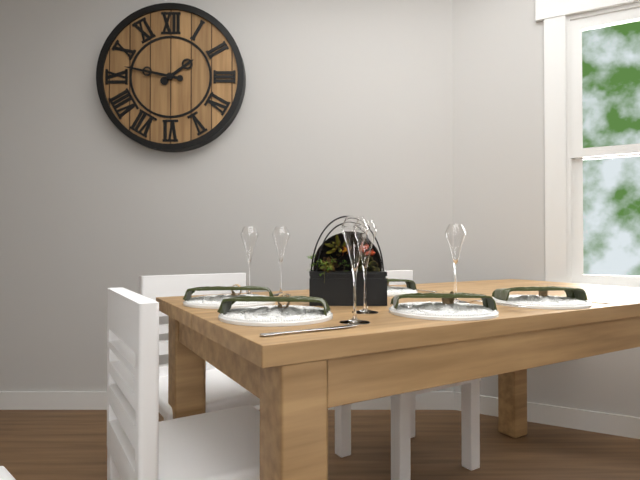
1:47
